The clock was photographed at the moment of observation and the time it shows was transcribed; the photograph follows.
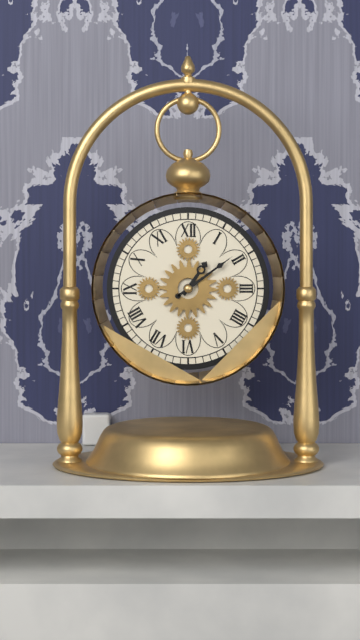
1:09
